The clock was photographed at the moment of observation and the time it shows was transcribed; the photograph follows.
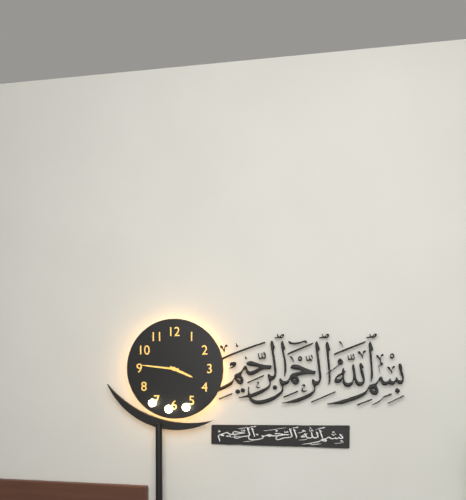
3:46
